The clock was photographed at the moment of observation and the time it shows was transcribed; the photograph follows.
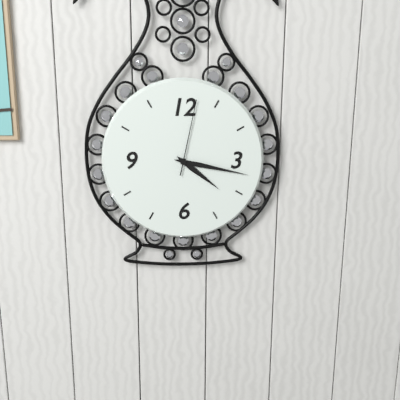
4:17:02
